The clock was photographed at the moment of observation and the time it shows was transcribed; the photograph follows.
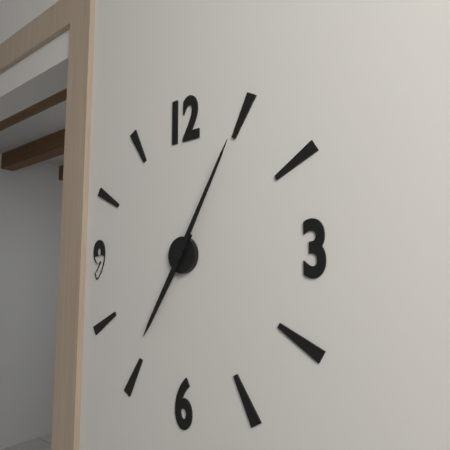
7:05
